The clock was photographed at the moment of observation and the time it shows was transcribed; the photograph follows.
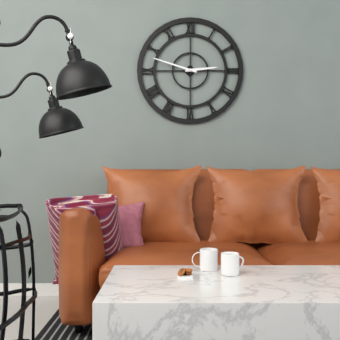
2:48
